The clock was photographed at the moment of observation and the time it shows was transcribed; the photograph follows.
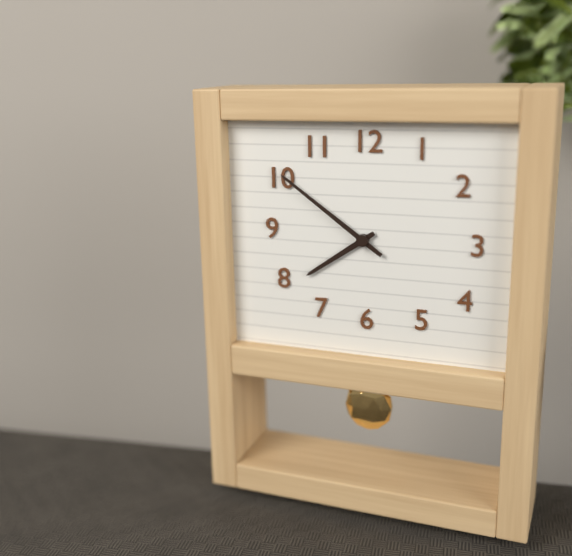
7:51
